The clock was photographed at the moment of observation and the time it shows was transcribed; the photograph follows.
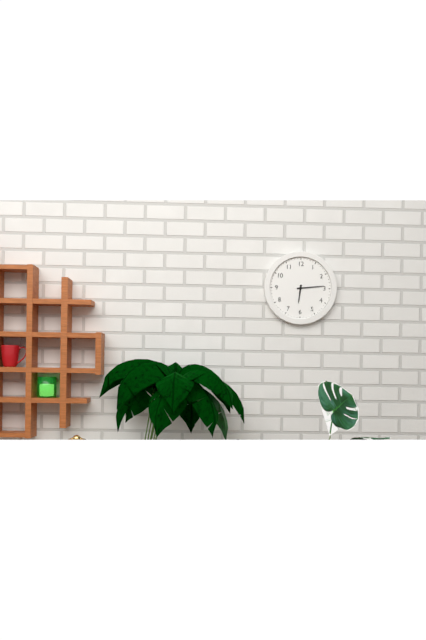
6:14
